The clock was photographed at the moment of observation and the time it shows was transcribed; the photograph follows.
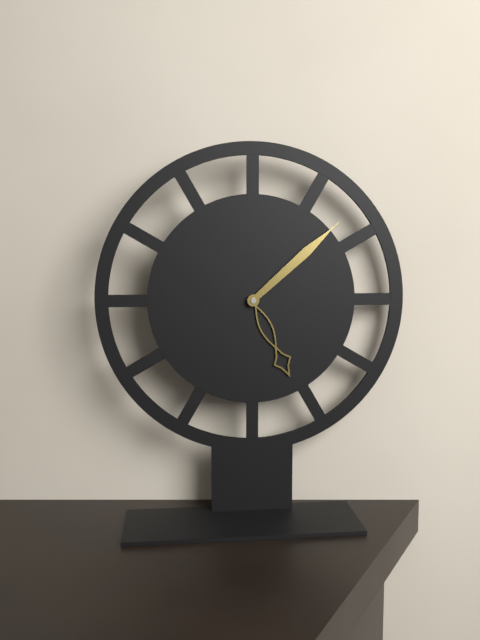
5:08
